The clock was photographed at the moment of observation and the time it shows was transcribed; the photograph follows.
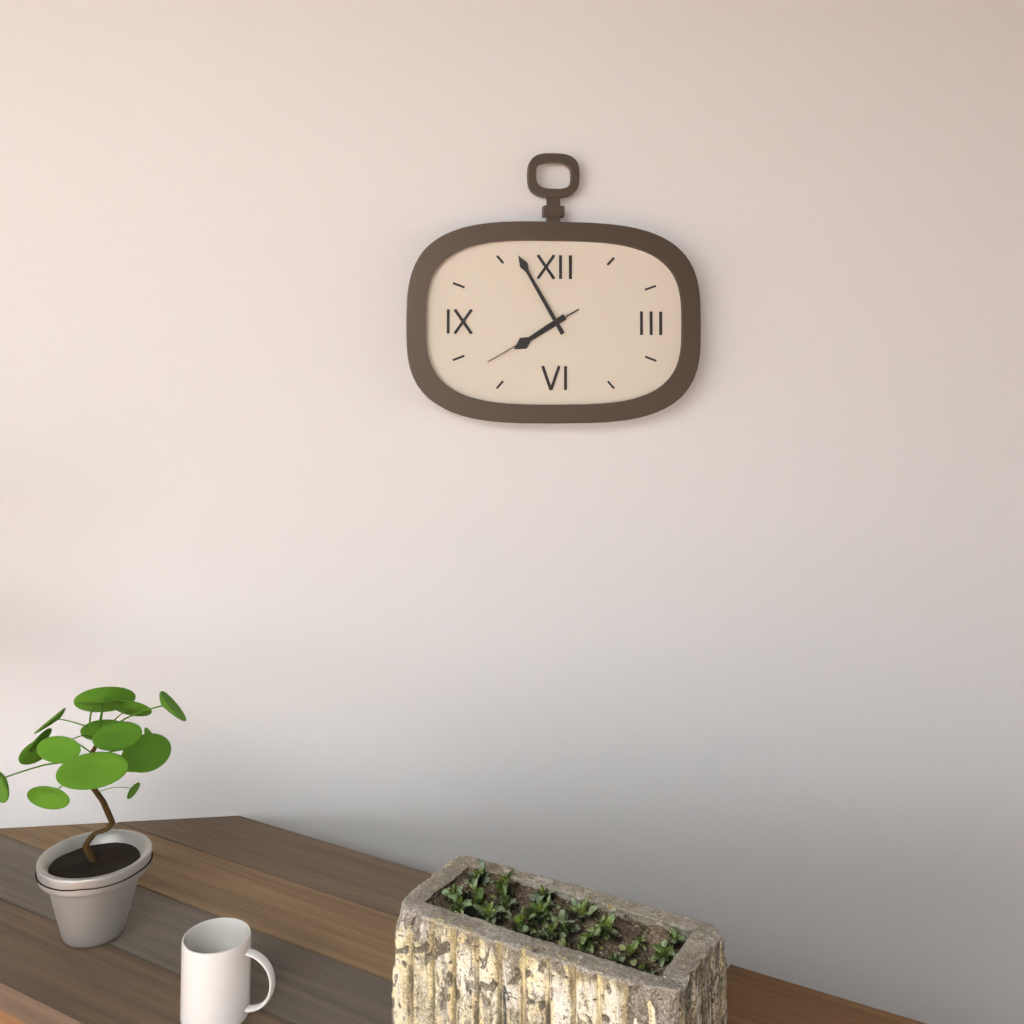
7:55:40
